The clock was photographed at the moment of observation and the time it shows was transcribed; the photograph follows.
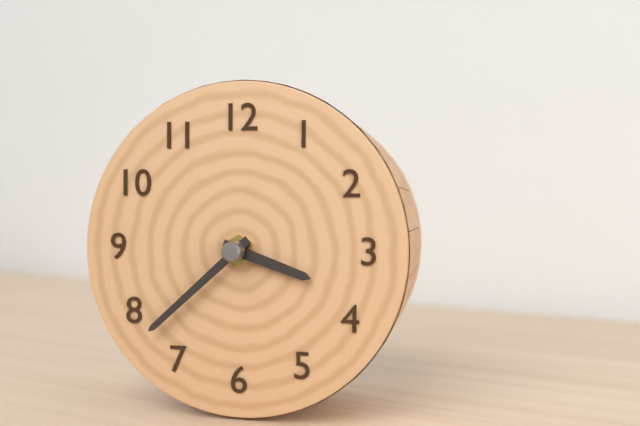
3:38
